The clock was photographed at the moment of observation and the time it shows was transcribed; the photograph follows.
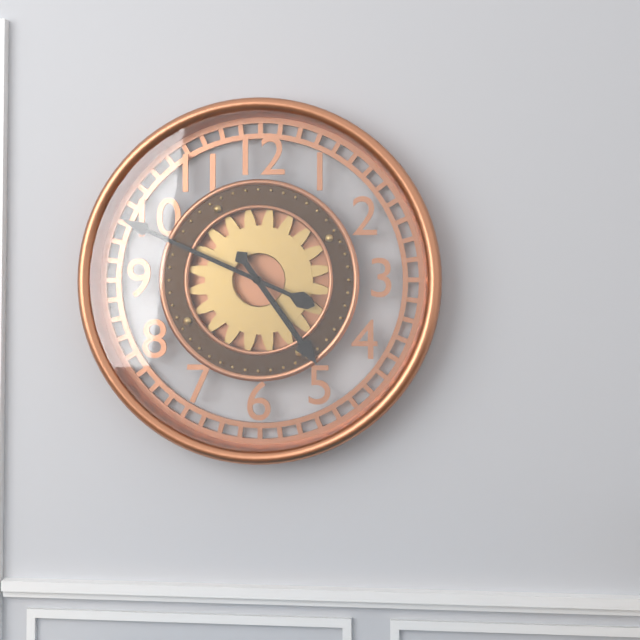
4:49
